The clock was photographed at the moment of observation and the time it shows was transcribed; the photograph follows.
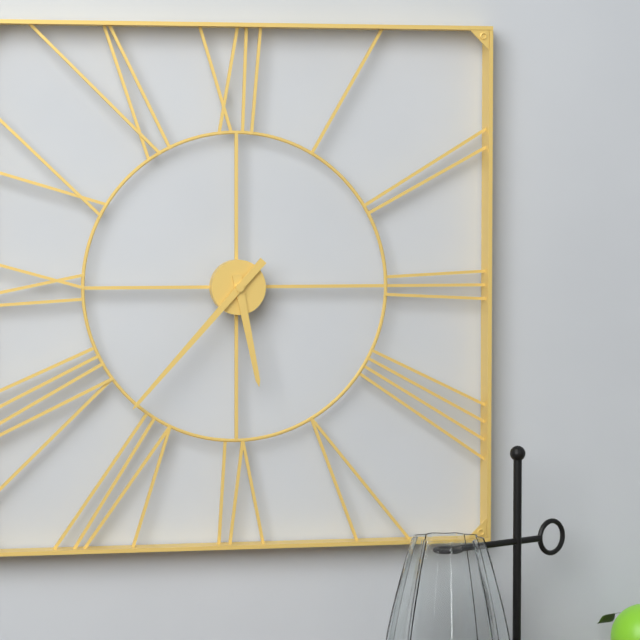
5:37
